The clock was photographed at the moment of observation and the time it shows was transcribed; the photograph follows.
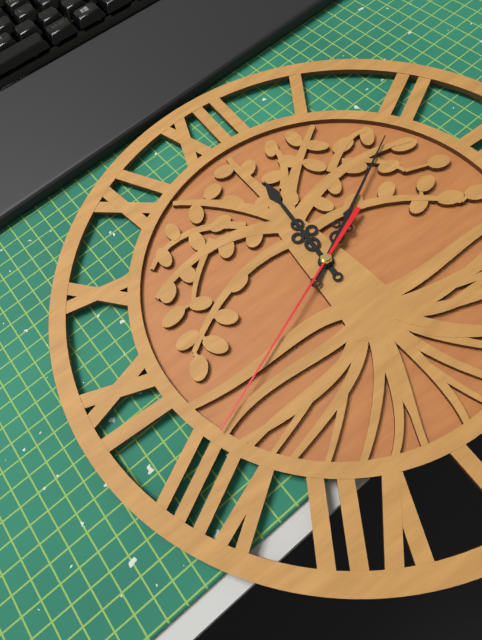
12:10:41
